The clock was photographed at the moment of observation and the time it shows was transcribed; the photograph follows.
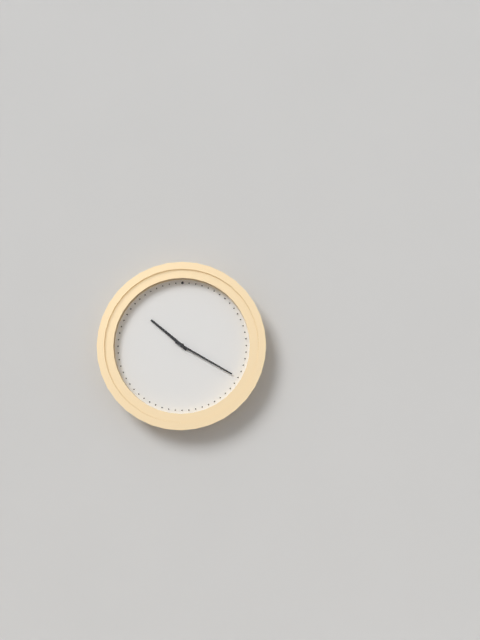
10:20
